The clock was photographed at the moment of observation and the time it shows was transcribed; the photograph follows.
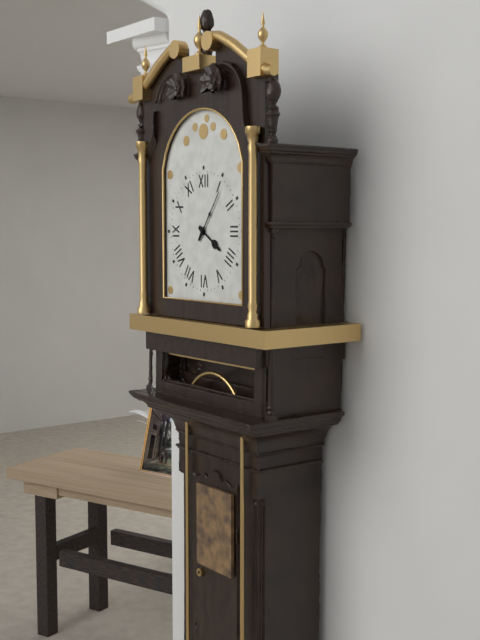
4:06
